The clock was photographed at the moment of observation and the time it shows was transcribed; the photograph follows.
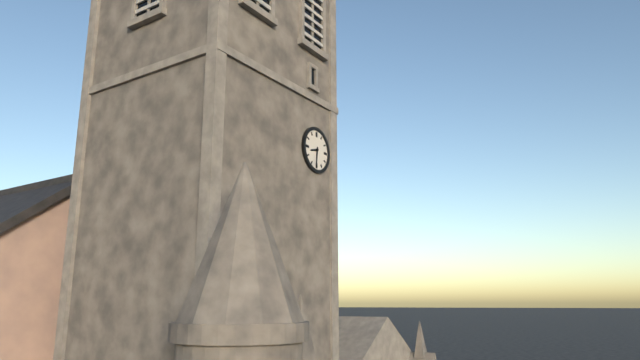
8:31
